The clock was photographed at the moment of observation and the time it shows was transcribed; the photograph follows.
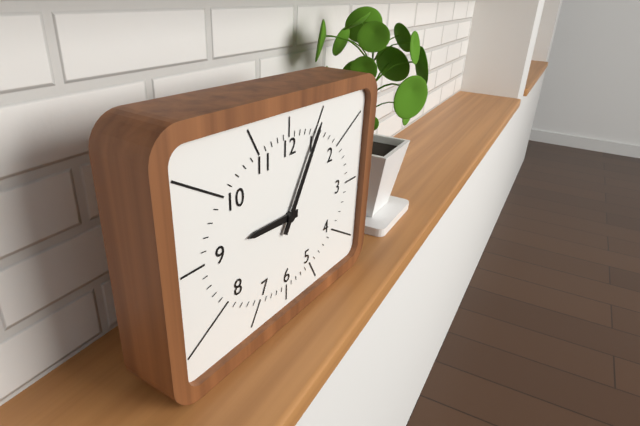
9:05
